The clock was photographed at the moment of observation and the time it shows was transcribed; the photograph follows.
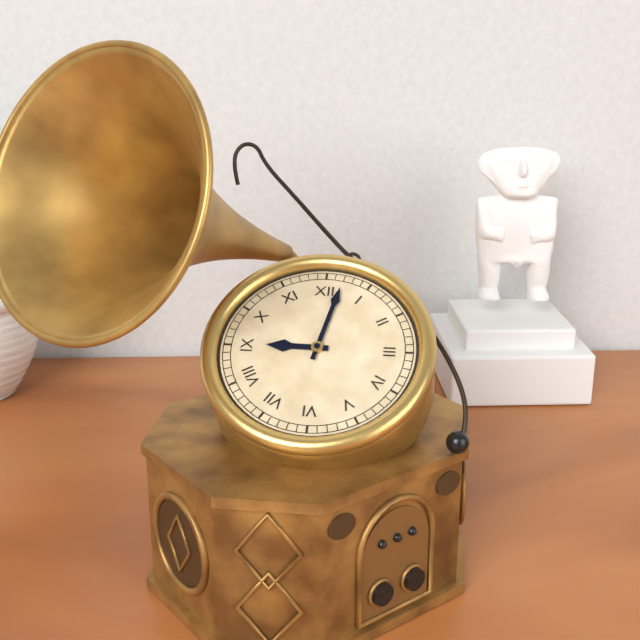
9:02
